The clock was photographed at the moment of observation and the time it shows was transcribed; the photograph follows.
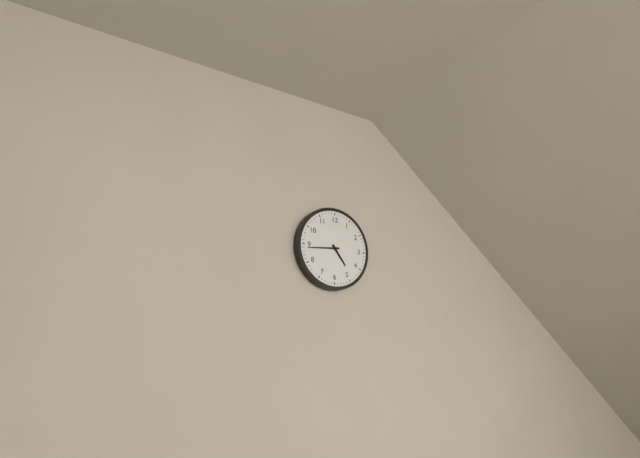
4:44
